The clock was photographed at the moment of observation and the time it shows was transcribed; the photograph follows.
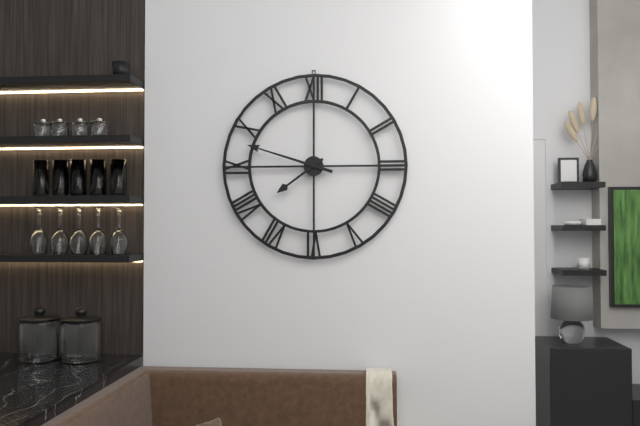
7:48
